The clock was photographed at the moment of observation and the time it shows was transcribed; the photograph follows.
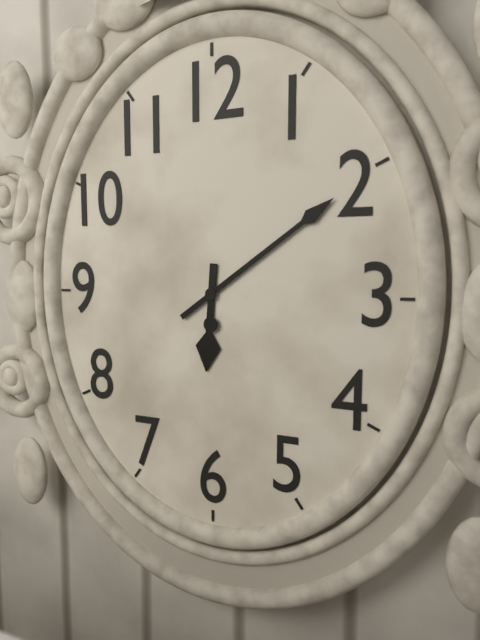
6:09
